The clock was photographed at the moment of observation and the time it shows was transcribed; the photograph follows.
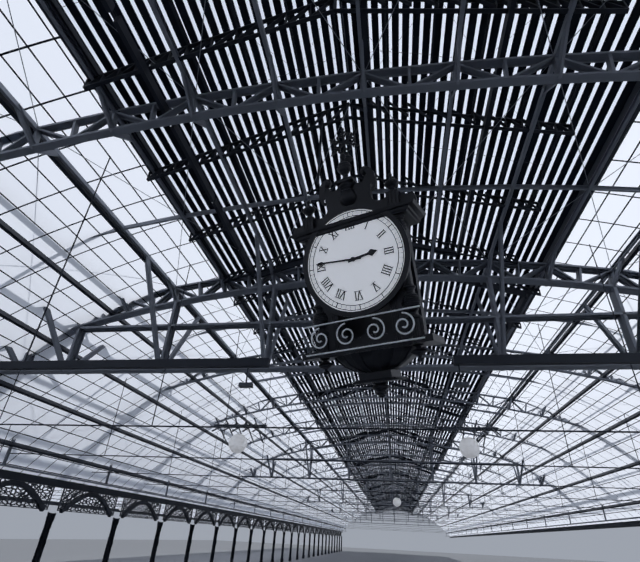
2:46
